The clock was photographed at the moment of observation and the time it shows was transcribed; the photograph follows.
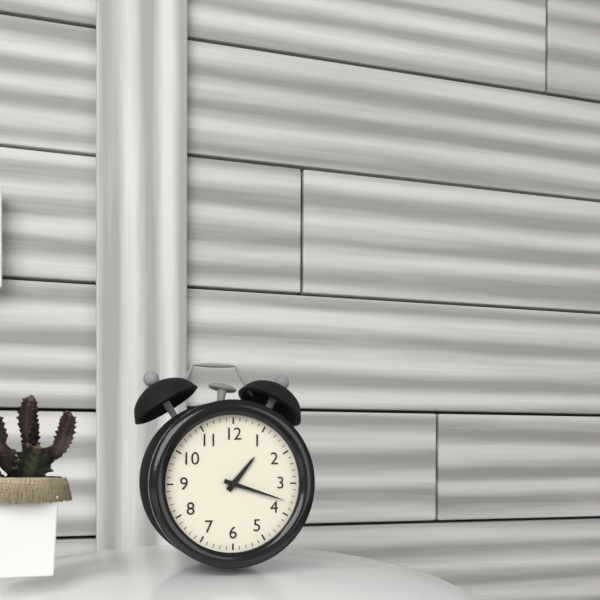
1:18
